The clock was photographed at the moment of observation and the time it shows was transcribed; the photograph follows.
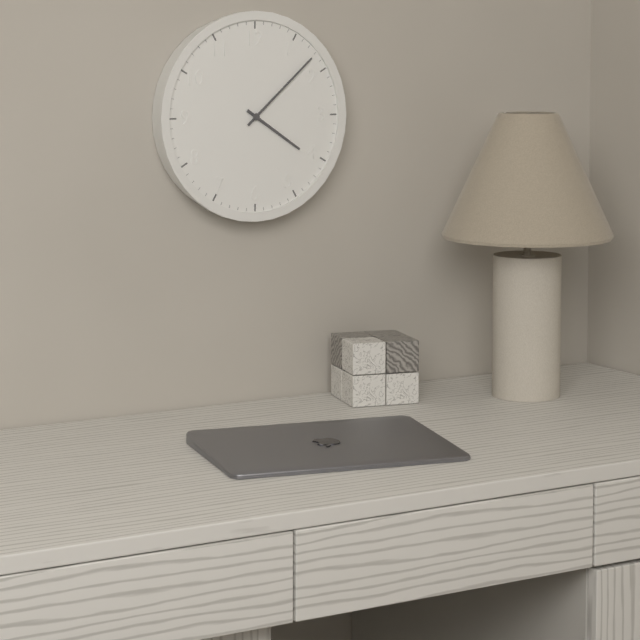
4:08
